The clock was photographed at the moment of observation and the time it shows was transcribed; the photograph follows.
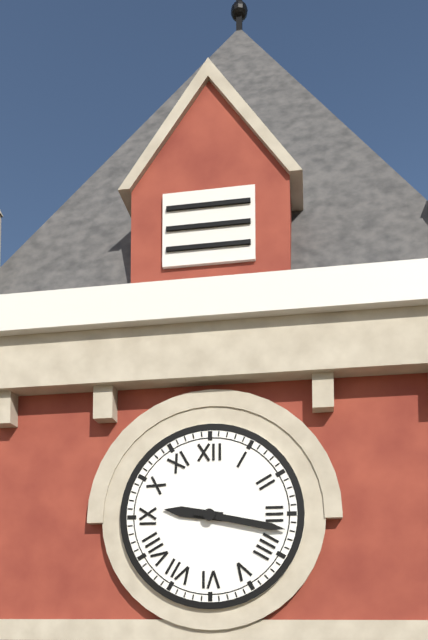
9:17
